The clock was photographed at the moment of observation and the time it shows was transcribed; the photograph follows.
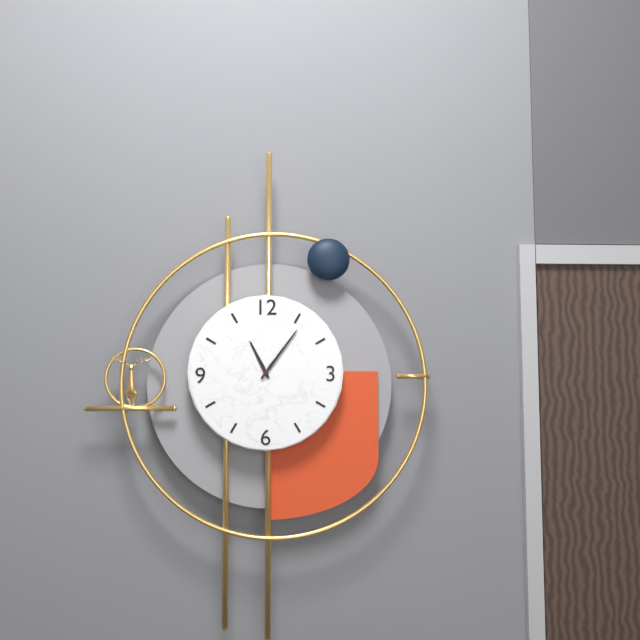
11:06
